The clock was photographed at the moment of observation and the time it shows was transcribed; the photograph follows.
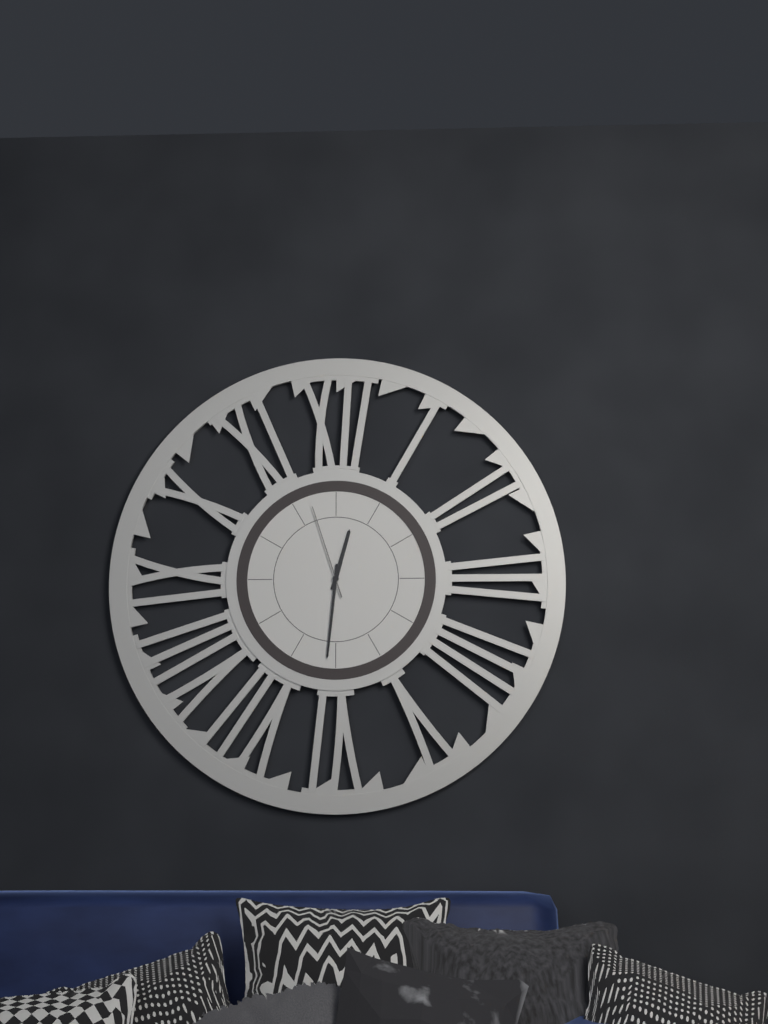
12:31:57
